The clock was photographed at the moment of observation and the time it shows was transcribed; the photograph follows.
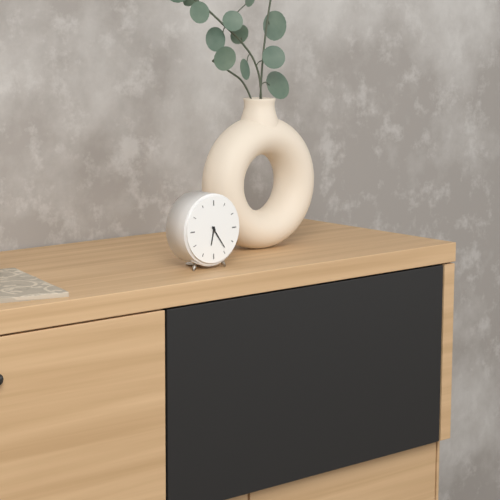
6:24
